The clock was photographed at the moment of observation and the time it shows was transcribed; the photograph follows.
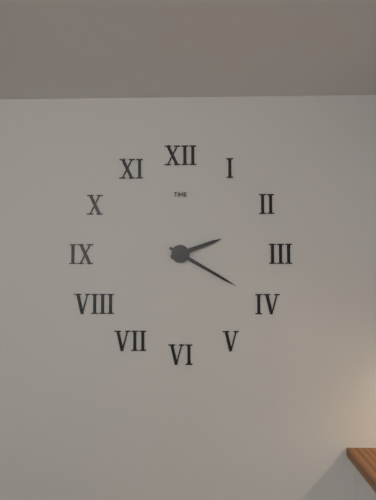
2:20
